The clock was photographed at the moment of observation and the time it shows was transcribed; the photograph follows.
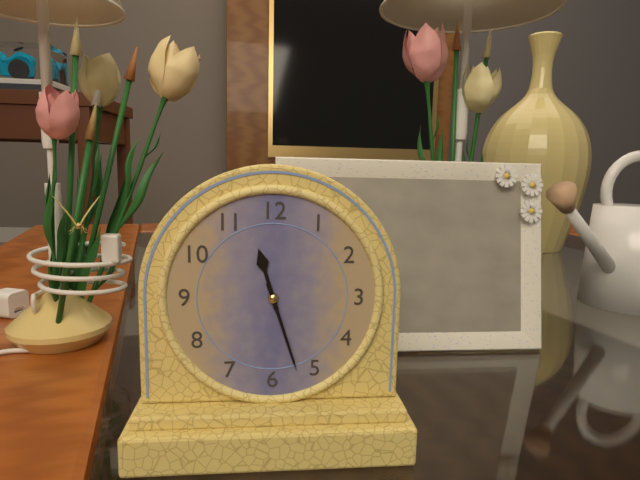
11:27
